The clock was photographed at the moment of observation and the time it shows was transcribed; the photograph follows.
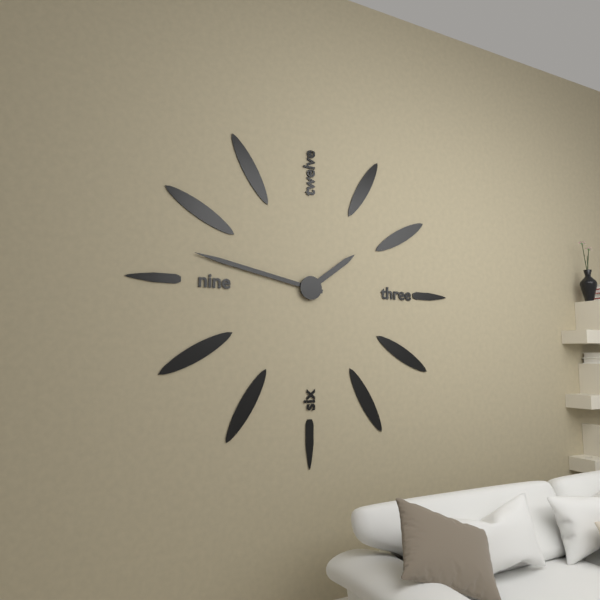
1:47
